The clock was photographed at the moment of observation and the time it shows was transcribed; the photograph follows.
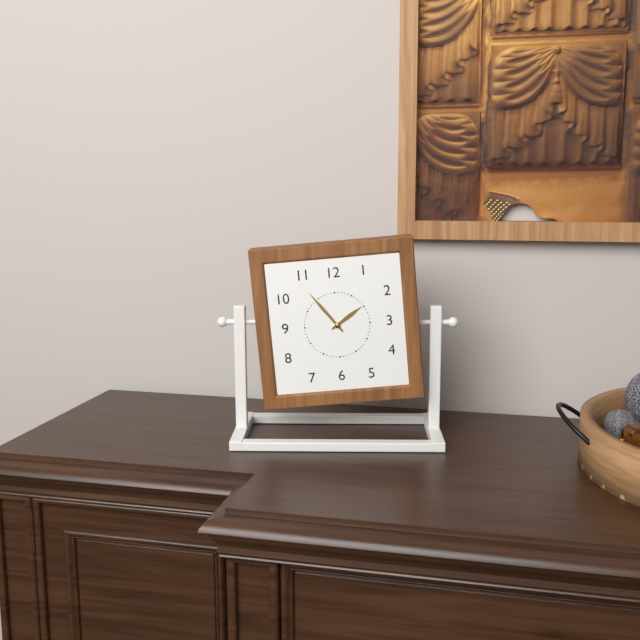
1:54
